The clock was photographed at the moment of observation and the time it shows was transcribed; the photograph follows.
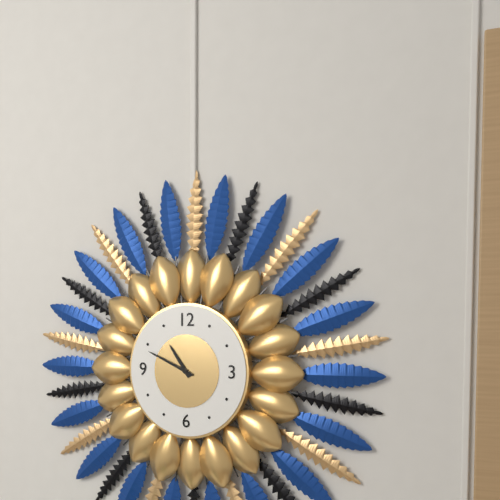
10:49
